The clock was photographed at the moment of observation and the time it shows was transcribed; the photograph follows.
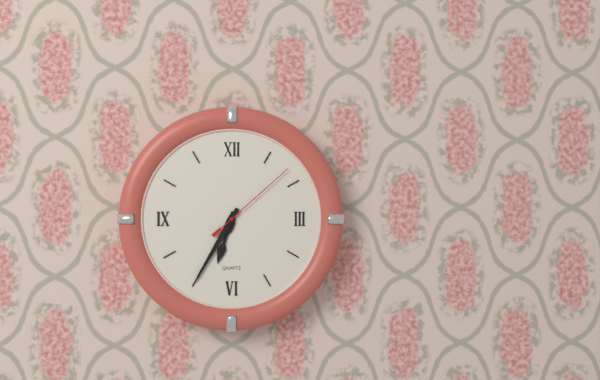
6:35:08
